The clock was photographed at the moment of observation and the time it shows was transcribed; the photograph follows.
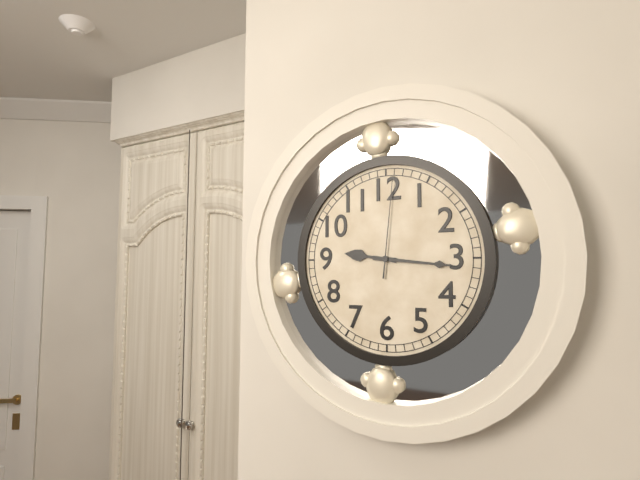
9:16:01
